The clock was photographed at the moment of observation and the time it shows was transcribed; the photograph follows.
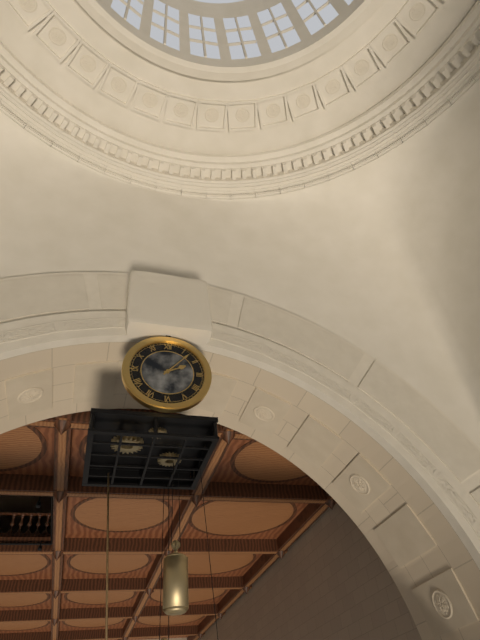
2:07
